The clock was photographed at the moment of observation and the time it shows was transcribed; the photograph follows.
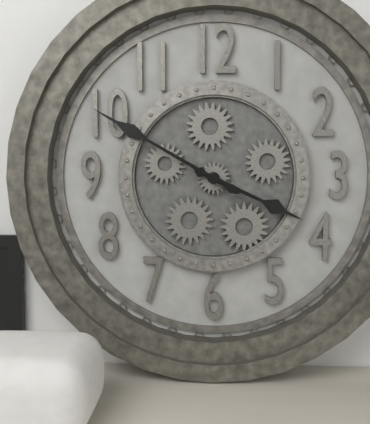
3:50
